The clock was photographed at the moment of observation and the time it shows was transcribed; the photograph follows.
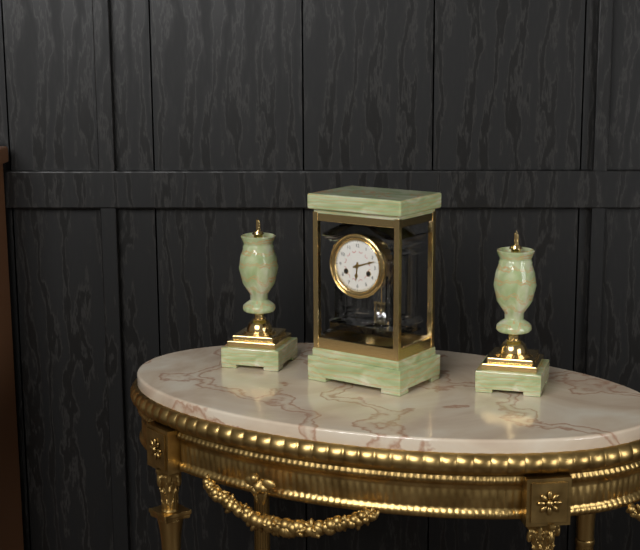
6:12
